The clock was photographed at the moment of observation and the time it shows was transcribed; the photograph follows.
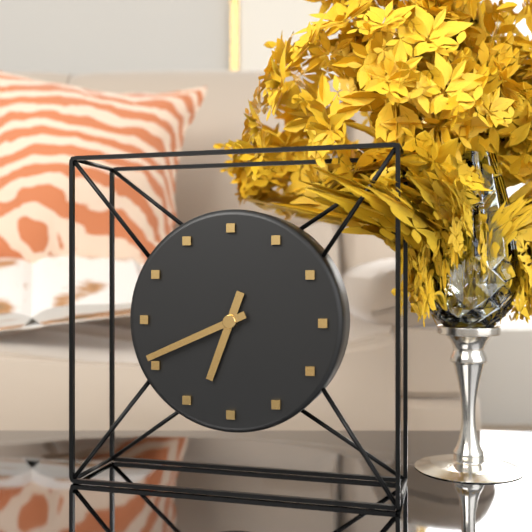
6:41
